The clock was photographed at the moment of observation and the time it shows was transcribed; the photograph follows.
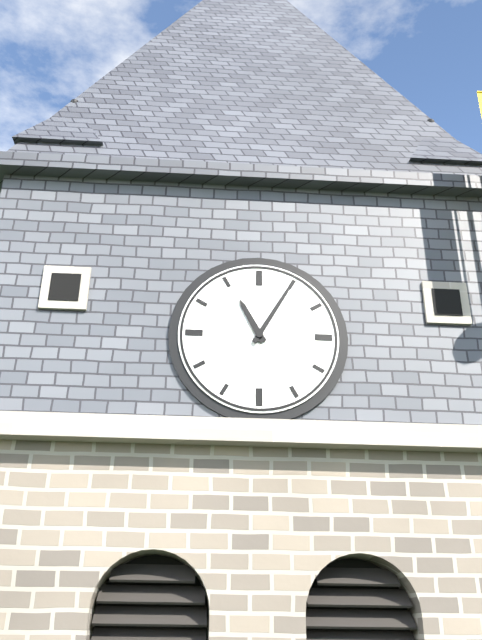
11:05
